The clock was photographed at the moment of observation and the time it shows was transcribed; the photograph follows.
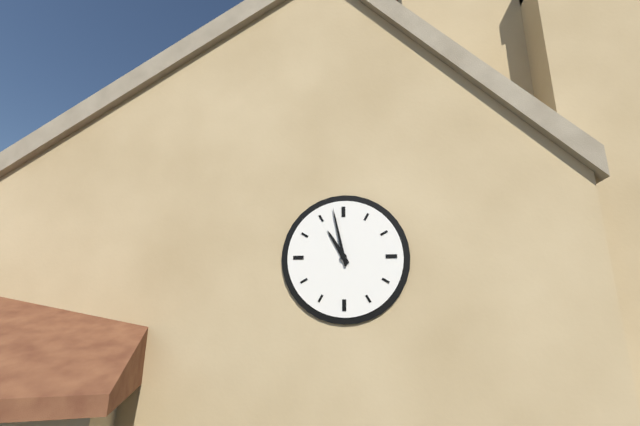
10:58
